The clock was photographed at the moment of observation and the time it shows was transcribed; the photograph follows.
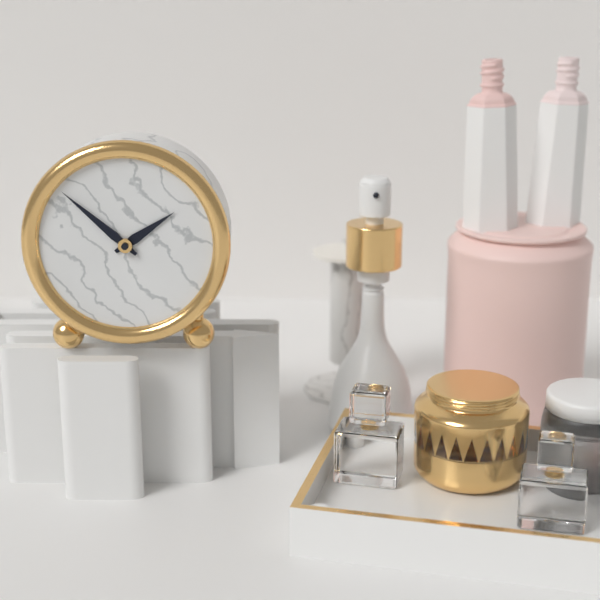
1:52
